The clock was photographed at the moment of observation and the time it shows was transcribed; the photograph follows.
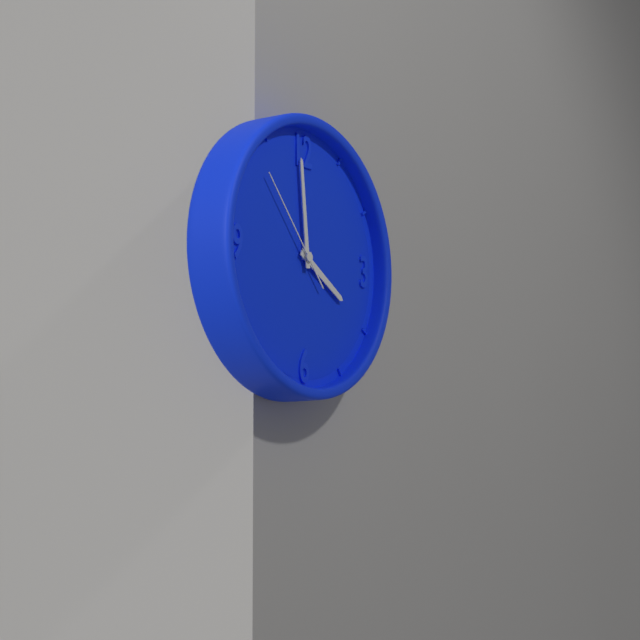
3:59:53
